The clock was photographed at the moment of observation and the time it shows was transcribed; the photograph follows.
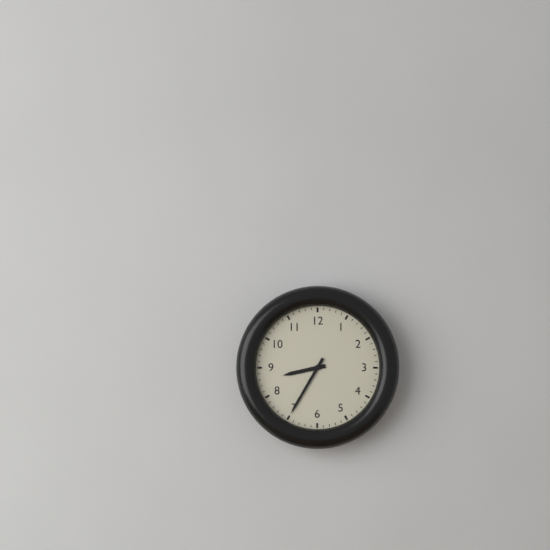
8:35
